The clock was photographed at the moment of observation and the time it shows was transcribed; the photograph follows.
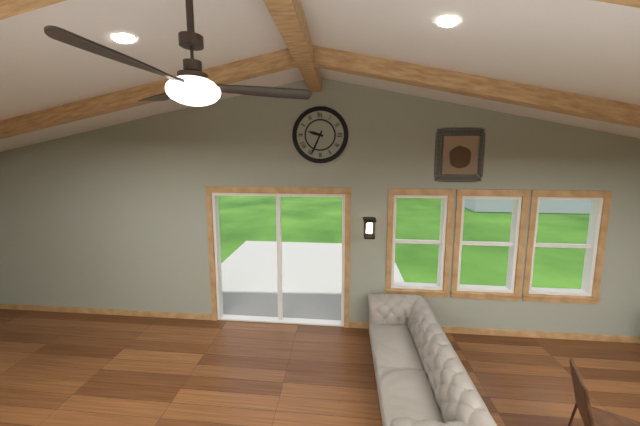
9:34
